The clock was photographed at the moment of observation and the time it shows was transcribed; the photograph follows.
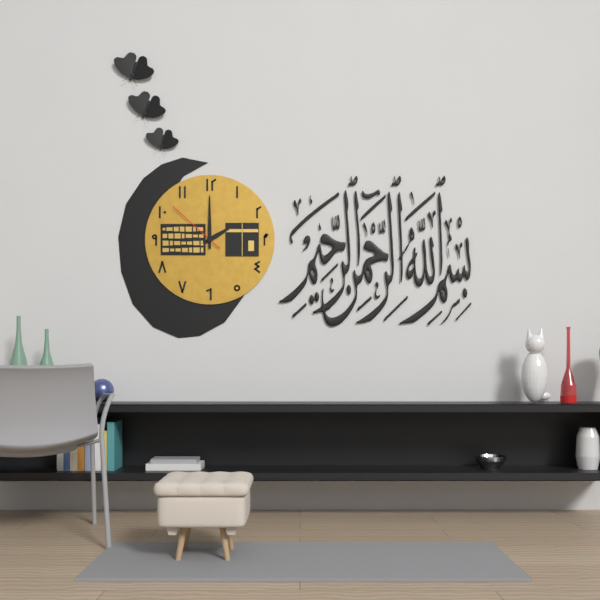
2:00:52
